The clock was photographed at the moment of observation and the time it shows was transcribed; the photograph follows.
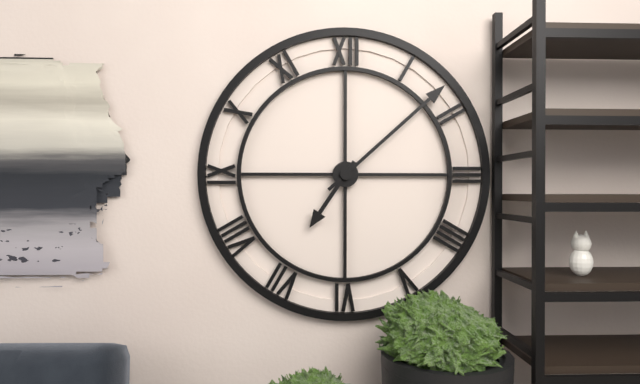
7:08
